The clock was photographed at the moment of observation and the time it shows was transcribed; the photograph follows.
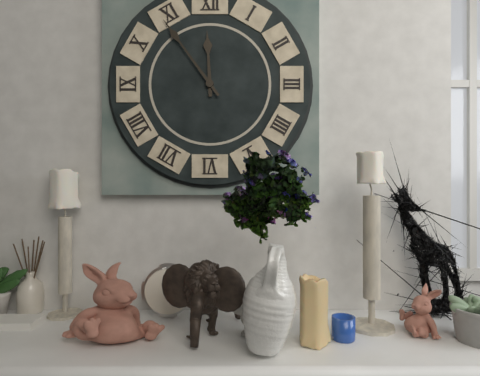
11:54
